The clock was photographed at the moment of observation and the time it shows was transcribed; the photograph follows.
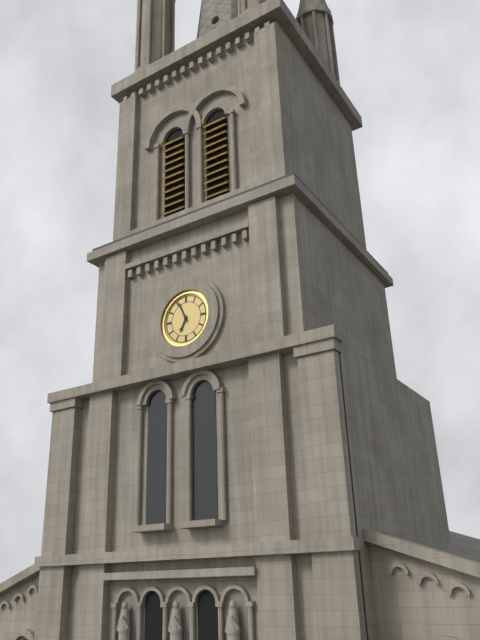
6:56
